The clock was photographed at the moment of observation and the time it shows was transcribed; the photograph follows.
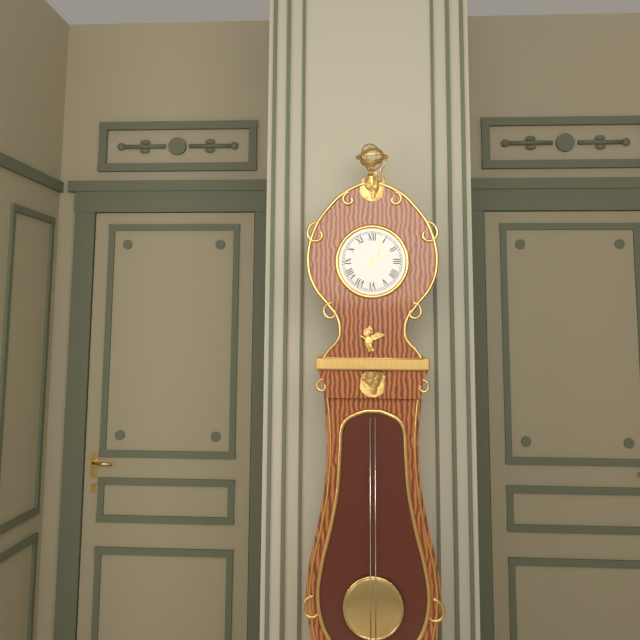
2:04
